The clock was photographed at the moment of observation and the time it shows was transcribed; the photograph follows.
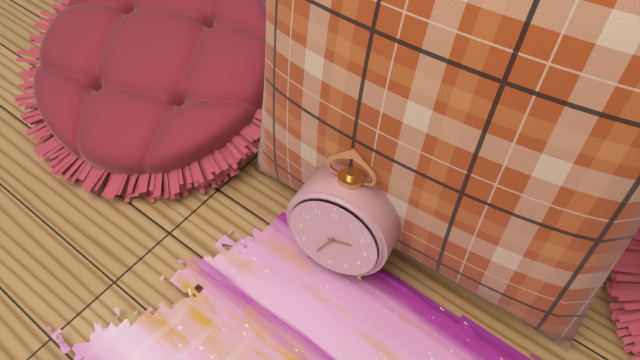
2:35
